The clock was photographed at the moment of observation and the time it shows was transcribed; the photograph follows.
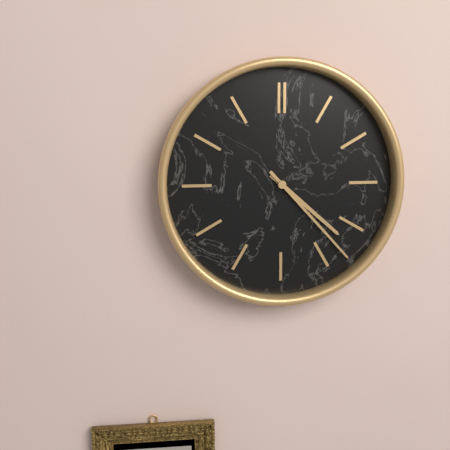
4:23
